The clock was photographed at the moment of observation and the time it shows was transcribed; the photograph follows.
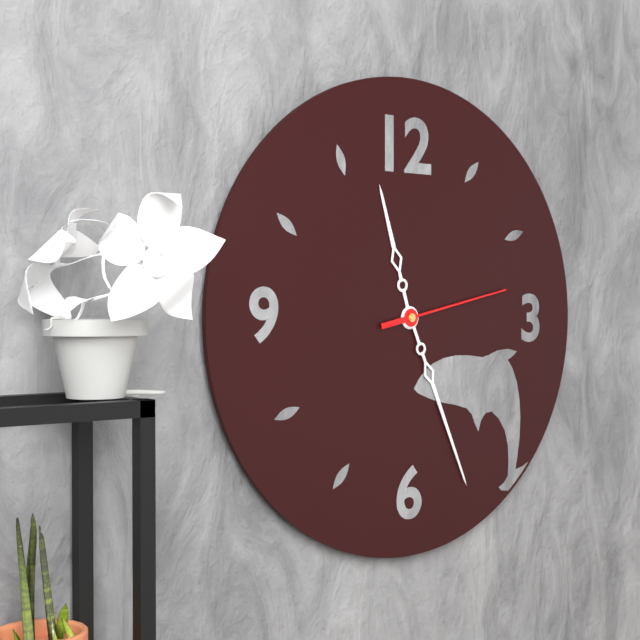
11:26:13
